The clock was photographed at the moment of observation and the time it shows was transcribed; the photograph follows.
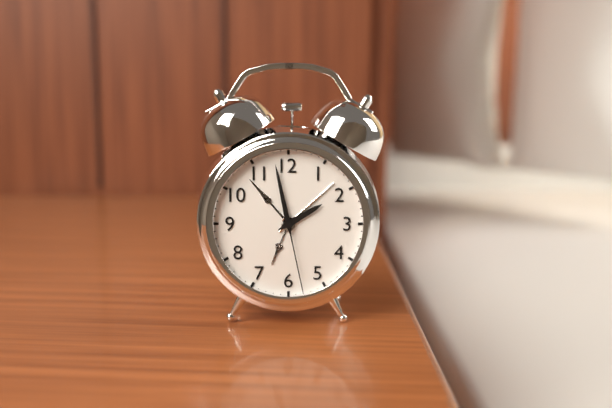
1:58:28
